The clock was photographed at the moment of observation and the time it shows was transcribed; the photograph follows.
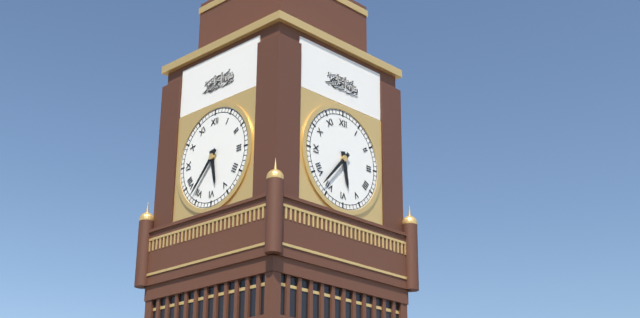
5:37
